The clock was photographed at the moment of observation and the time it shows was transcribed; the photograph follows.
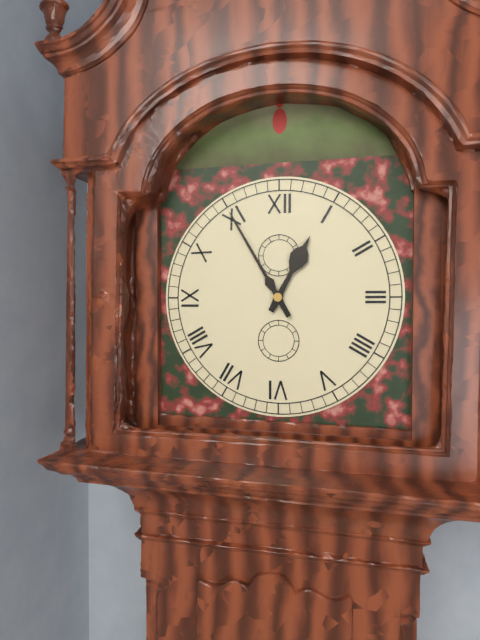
12:55
